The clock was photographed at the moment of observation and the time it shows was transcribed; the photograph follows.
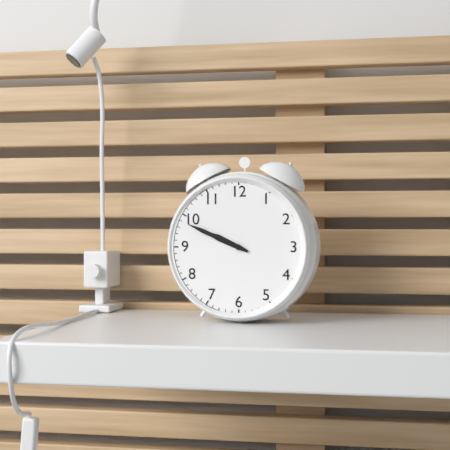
9:49
